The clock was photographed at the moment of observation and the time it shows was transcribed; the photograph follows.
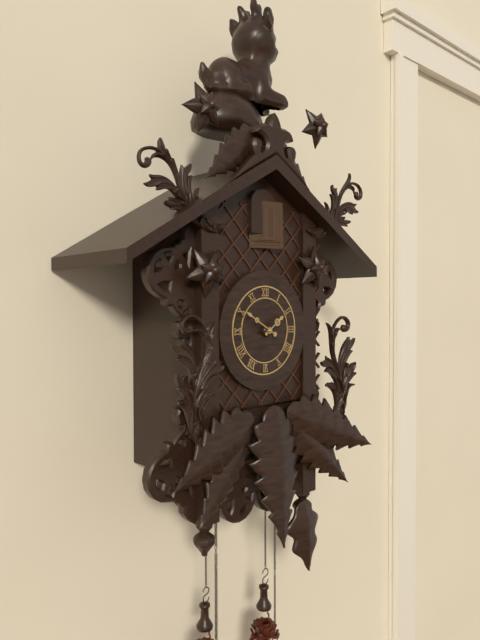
1:50
